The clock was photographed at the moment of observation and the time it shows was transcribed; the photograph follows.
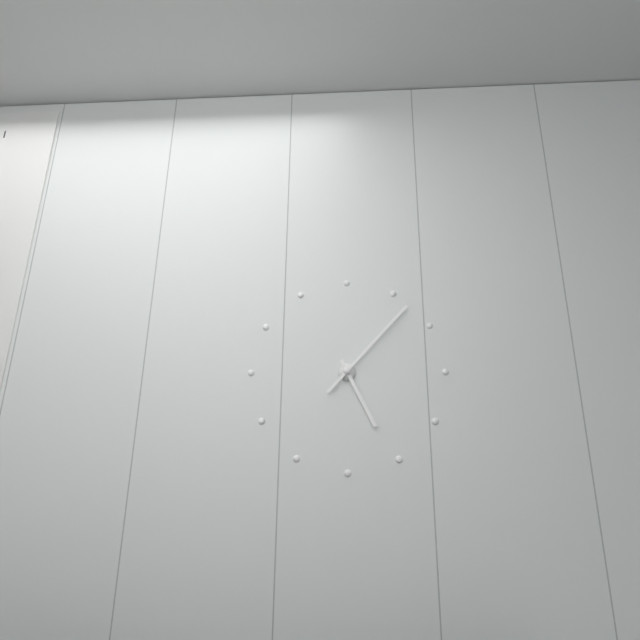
5:07
